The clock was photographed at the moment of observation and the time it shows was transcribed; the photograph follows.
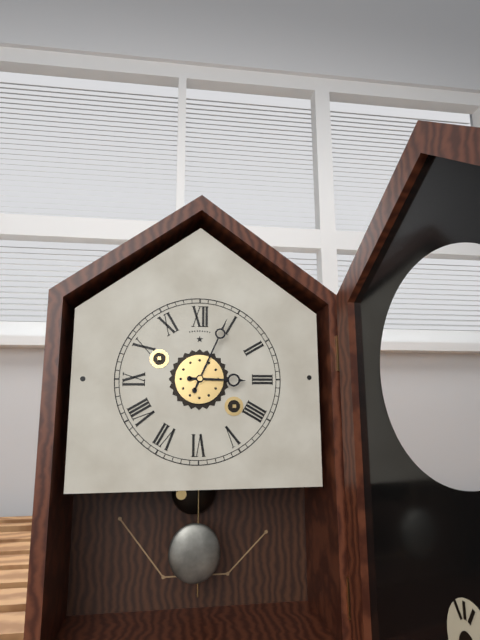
3:04
